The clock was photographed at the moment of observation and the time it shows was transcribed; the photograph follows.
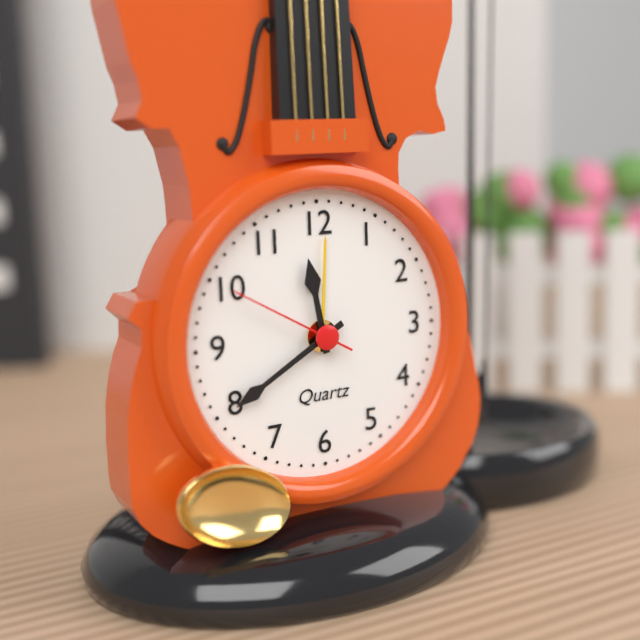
11:40:50
